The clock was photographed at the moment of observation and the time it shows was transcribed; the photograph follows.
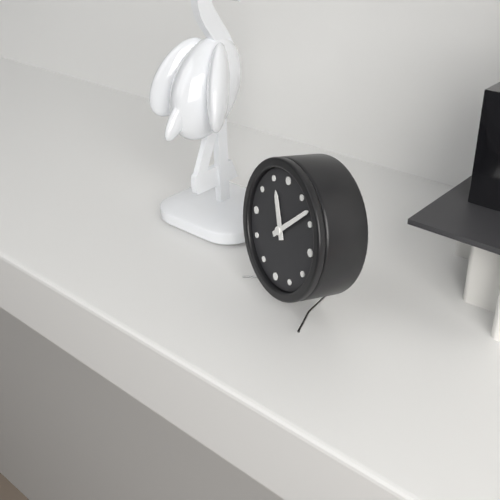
11:08
